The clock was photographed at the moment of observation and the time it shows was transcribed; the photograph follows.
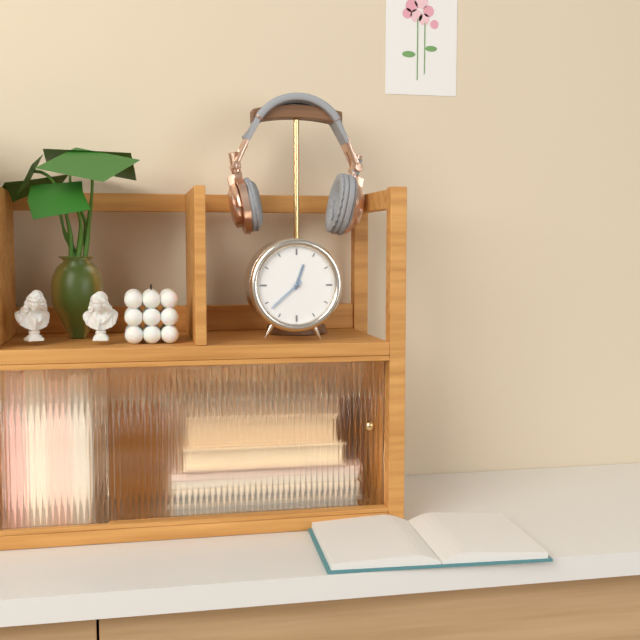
12:38
